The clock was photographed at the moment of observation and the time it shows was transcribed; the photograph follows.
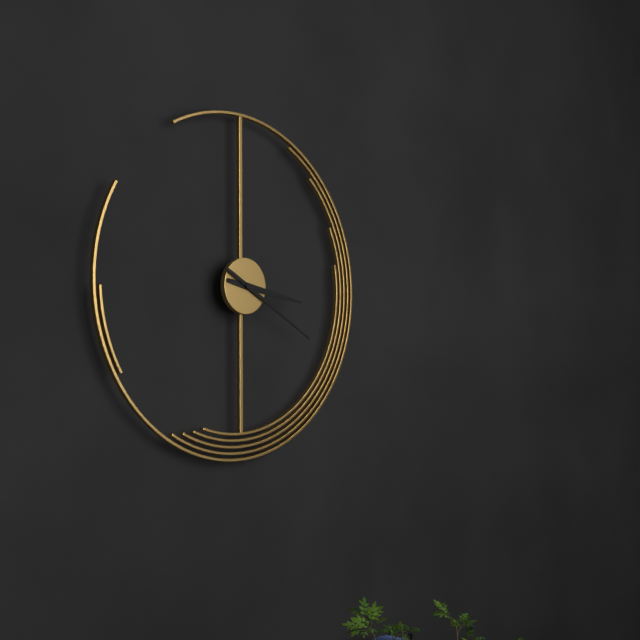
3:20
